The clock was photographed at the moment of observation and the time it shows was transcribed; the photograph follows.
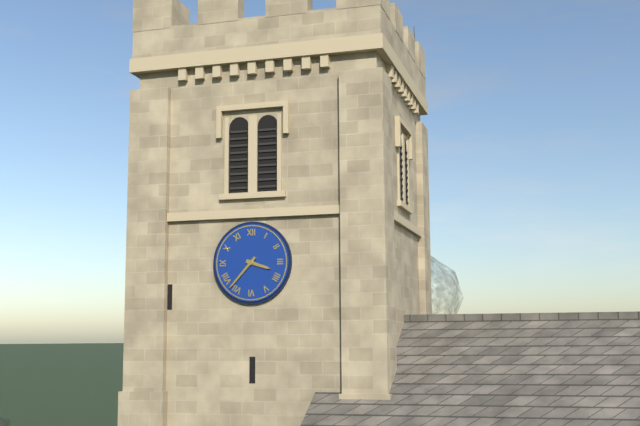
3:37
